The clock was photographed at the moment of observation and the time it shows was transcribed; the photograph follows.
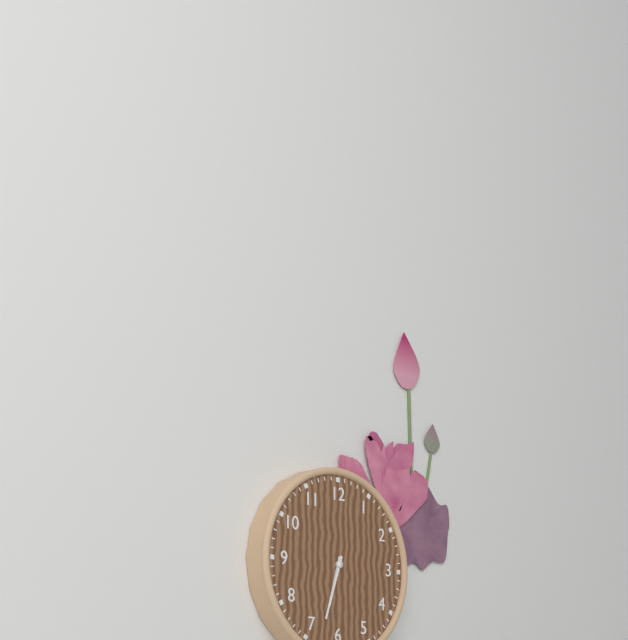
6:33
